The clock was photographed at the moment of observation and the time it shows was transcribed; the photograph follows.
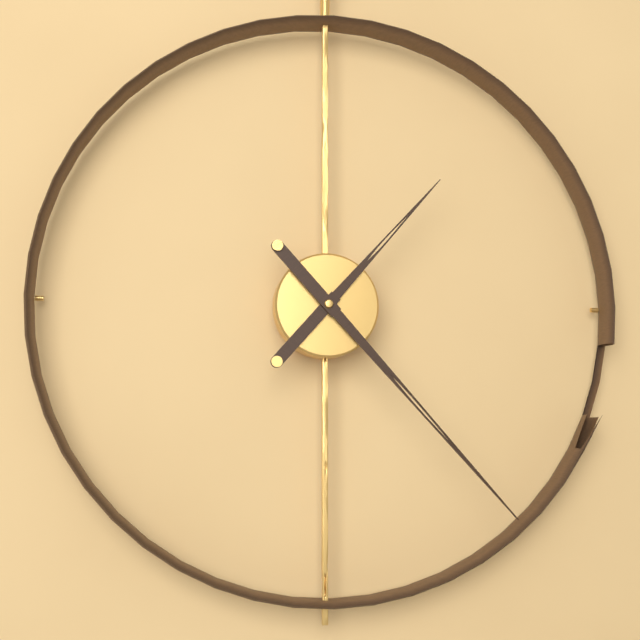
1:23
